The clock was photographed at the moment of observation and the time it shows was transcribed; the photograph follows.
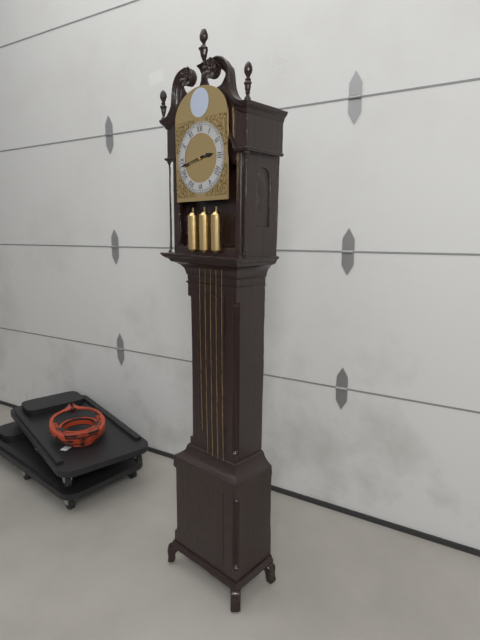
2:43
